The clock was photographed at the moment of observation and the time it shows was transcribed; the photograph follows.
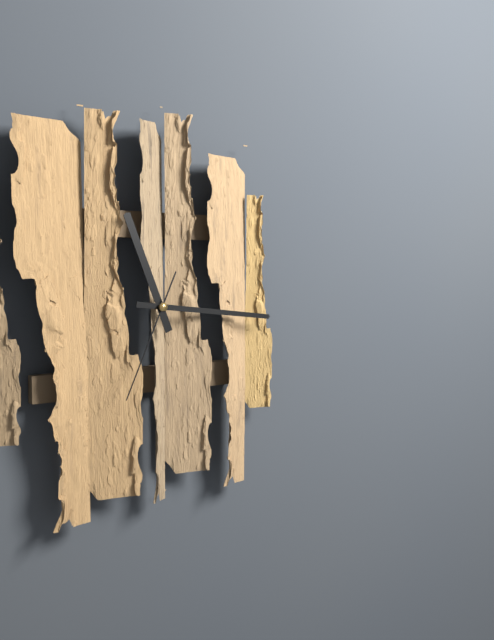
11:16:34
